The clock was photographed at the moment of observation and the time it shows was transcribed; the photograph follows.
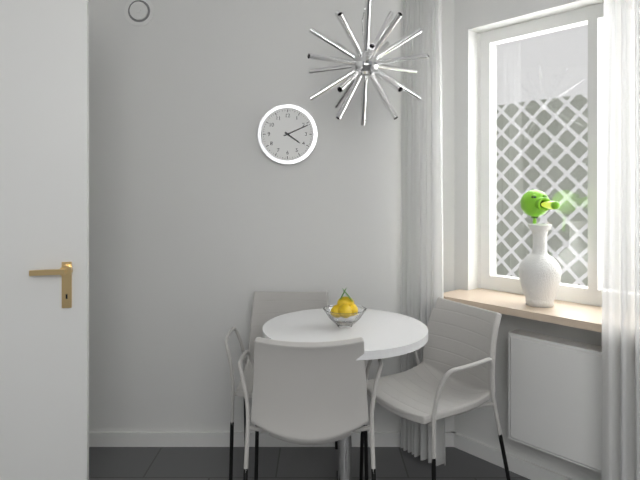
4:11
